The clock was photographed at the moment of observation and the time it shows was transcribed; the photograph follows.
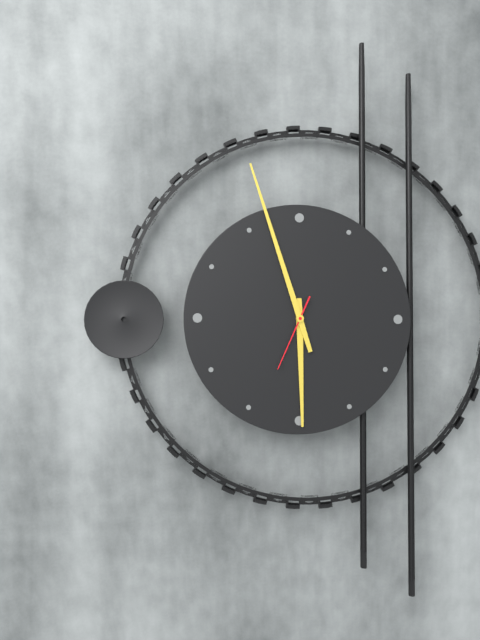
5:57:34
